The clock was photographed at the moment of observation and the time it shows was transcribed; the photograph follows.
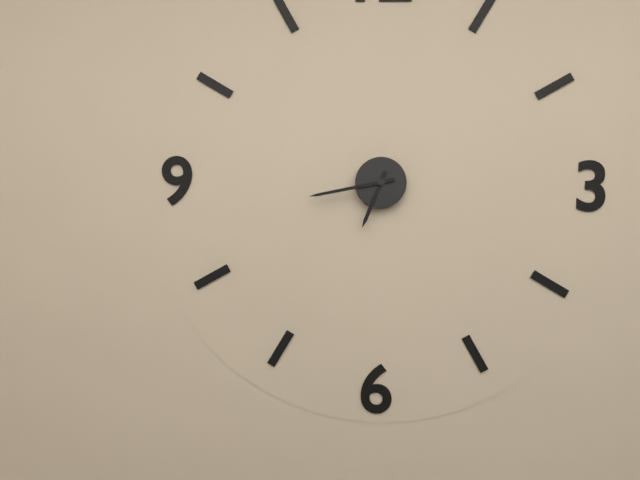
6:43
